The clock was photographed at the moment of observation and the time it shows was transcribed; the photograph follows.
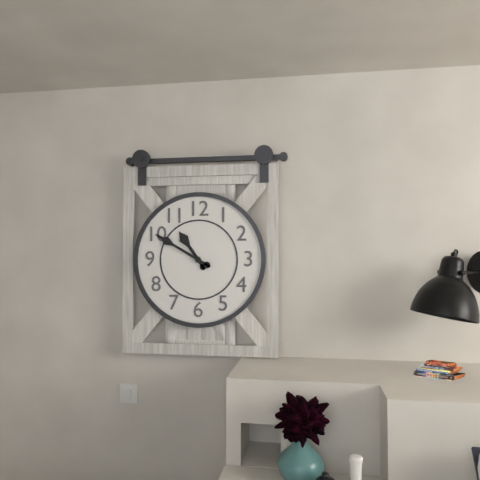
10:50
